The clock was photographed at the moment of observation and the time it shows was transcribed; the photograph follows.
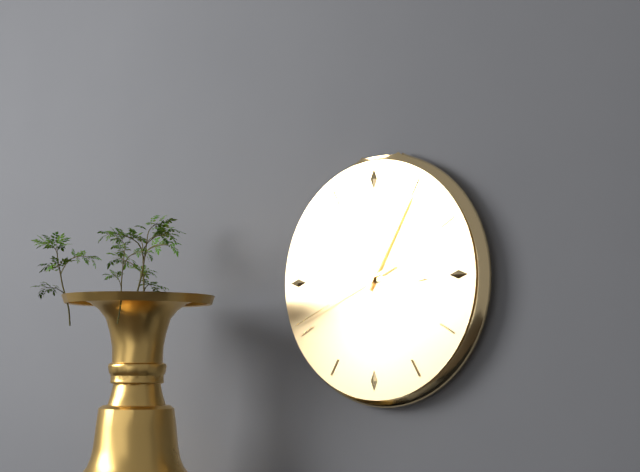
3:05:41
